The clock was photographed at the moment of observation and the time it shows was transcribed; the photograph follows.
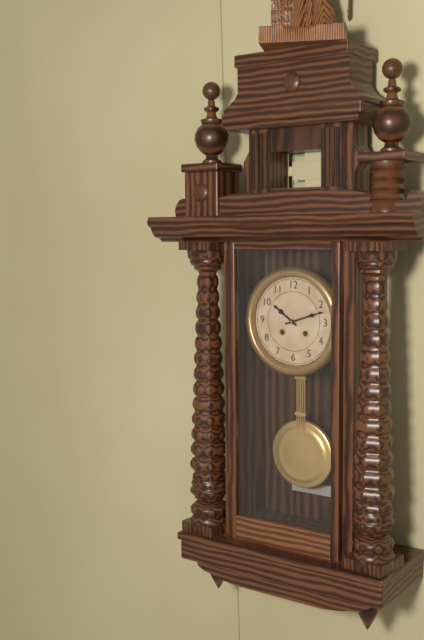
10:12
